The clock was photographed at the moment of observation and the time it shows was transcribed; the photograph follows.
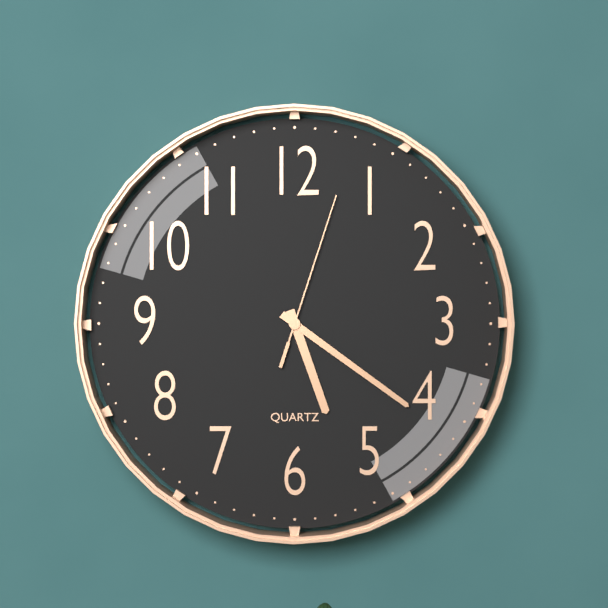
5:21:03
